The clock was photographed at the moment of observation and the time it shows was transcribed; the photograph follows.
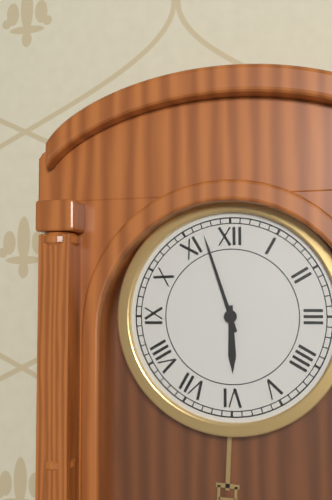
5:57
